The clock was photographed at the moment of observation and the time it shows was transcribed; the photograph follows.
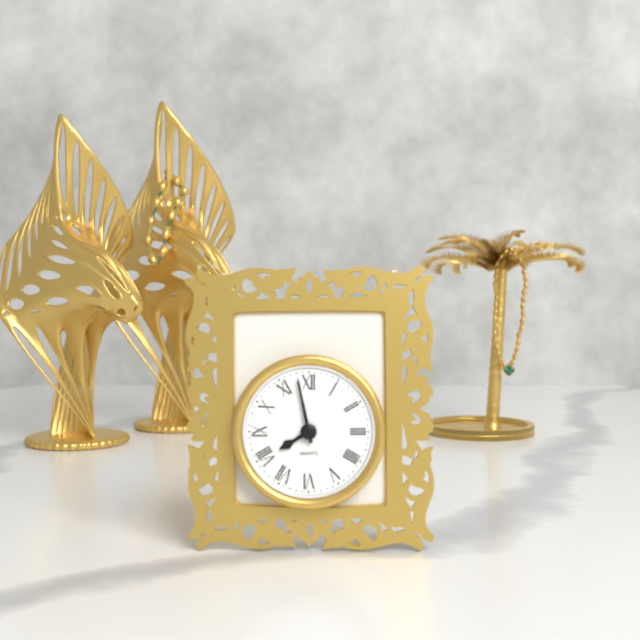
7:58
